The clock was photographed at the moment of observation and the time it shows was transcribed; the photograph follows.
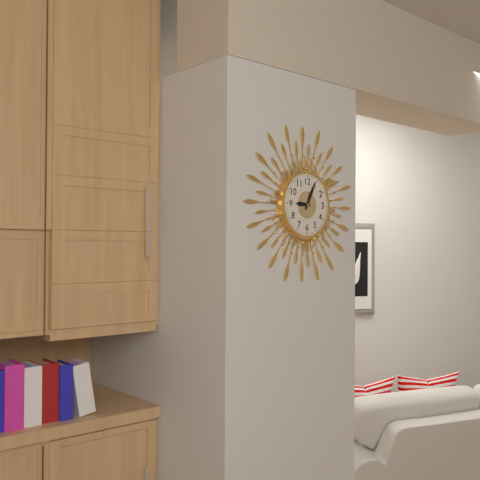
9:04
